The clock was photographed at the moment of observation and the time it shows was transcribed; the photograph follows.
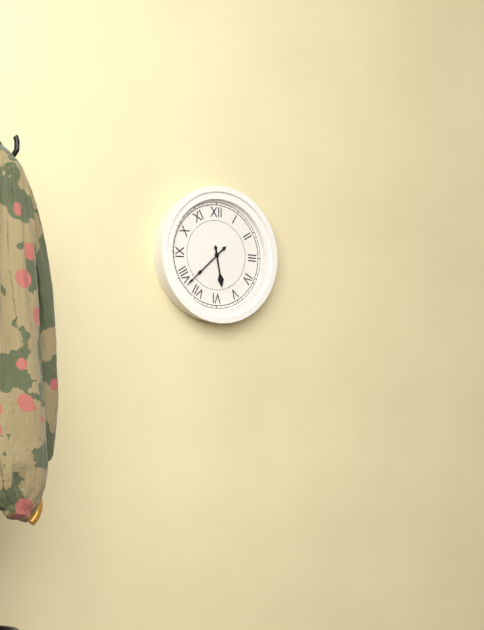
5:38
